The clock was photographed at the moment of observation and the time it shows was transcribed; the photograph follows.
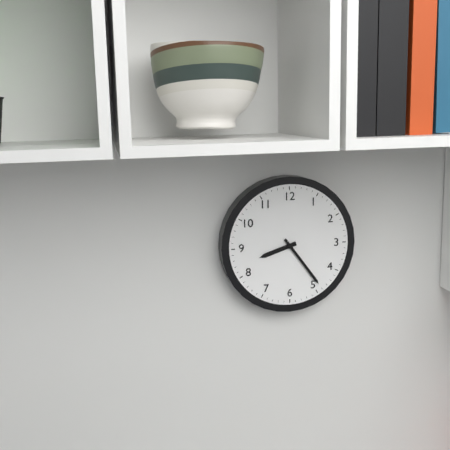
8:24
